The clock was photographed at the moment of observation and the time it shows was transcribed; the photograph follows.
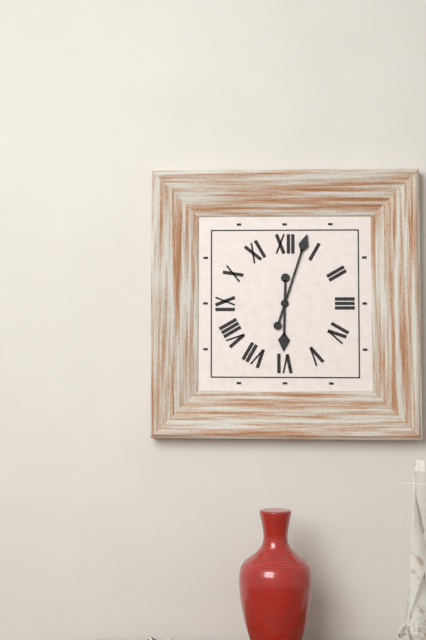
6:03
